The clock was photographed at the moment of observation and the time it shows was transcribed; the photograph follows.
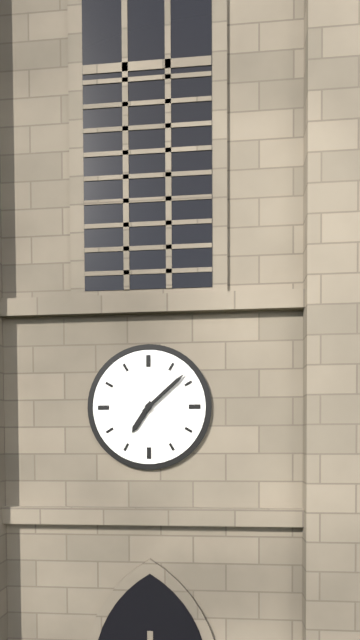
7:08
